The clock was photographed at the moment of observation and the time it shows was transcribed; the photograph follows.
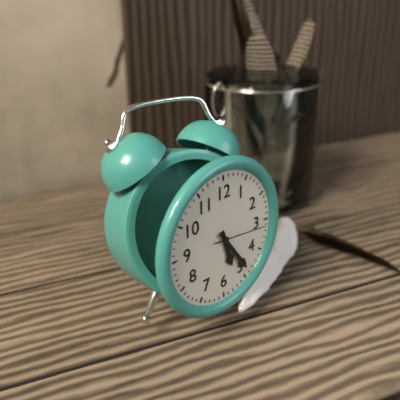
5:24:16
